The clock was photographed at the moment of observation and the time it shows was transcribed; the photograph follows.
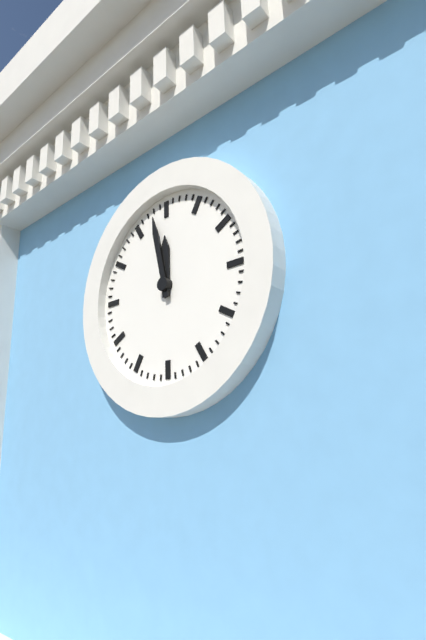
11:58
